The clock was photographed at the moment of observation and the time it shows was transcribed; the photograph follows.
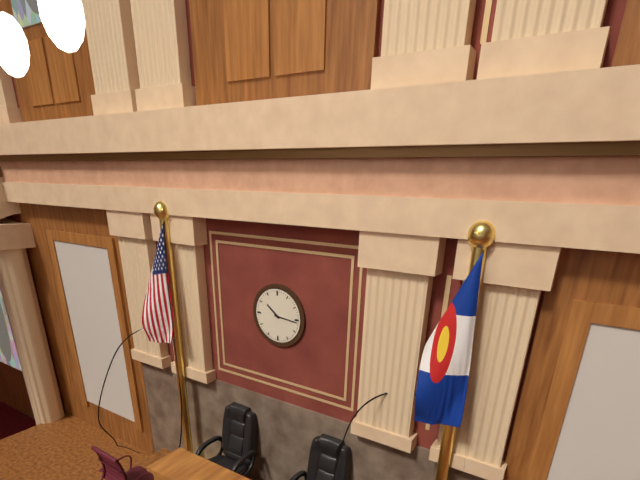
10:16
